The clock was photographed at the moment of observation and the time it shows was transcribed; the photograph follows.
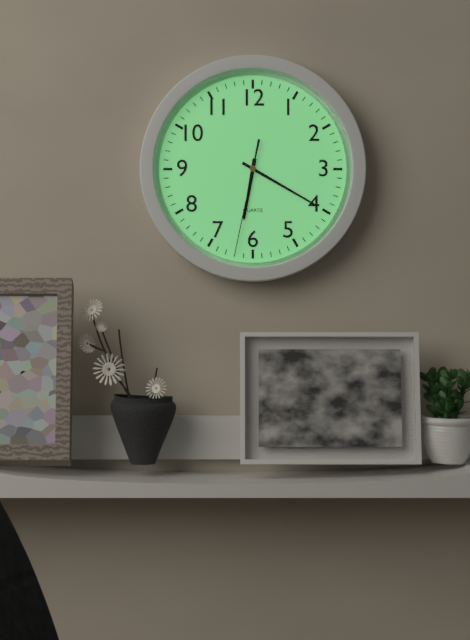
6:20:32
